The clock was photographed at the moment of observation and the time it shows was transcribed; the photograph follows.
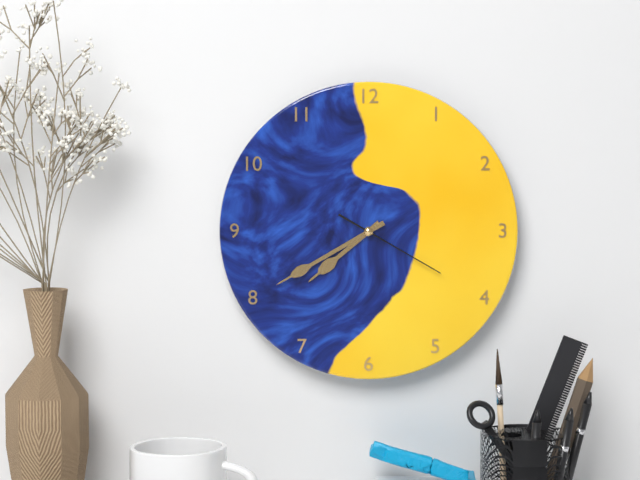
7:40:20
